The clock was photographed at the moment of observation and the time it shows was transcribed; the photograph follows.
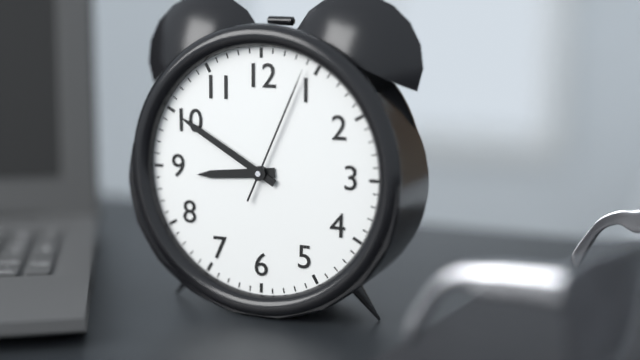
8:50:04
